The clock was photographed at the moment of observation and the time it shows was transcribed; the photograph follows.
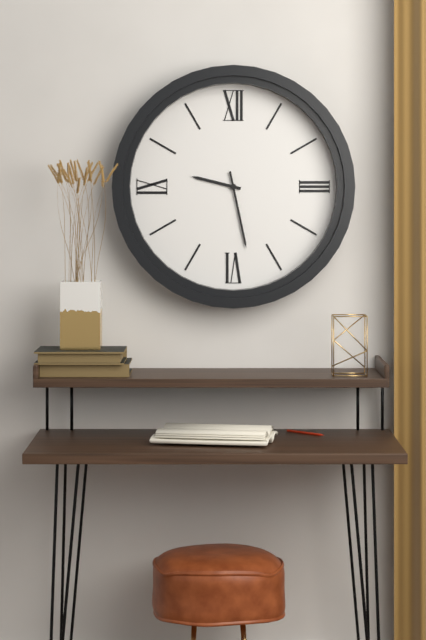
9:28
